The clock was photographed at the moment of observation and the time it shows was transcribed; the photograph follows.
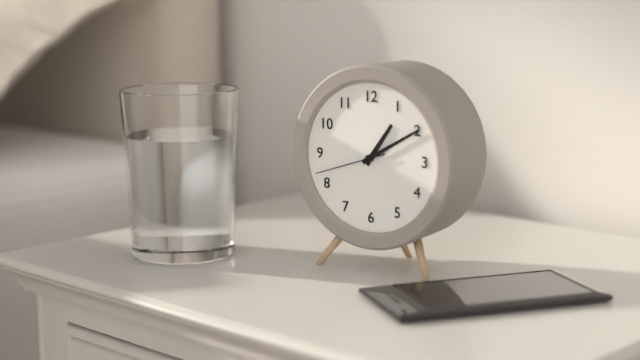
1:10:42
